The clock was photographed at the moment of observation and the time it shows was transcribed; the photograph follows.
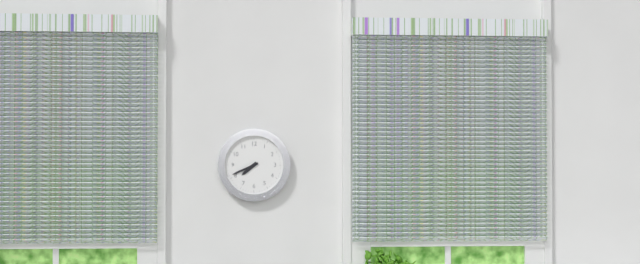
7:41
